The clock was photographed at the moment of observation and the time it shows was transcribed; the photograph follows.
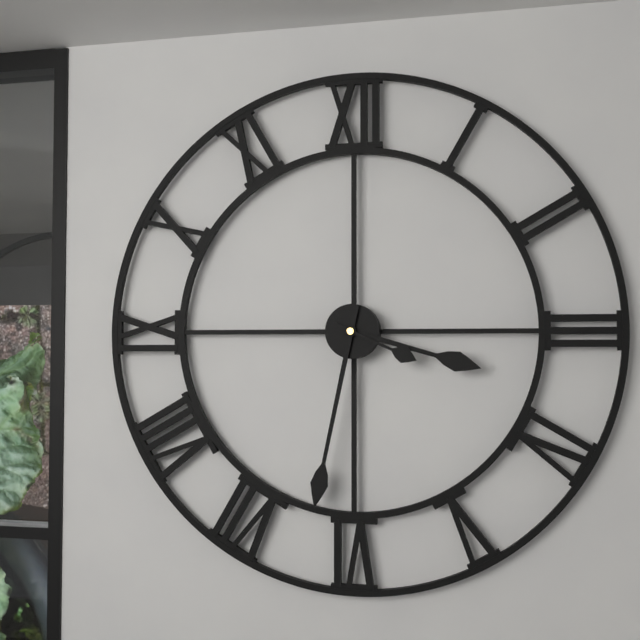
3:32:19
